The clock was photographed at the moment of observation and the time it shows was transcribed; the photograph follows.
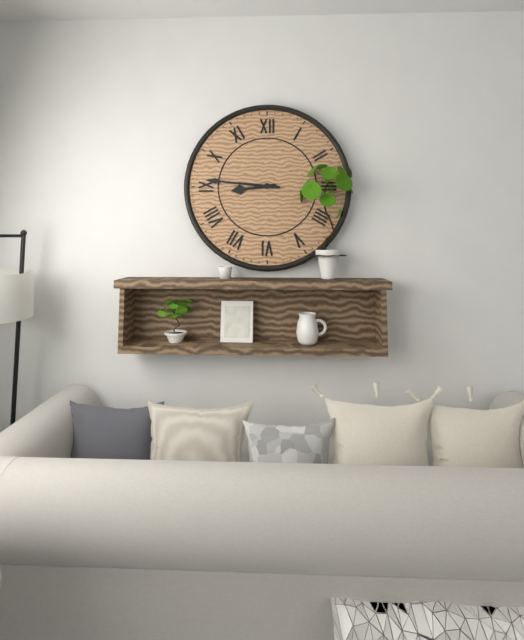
8:46
